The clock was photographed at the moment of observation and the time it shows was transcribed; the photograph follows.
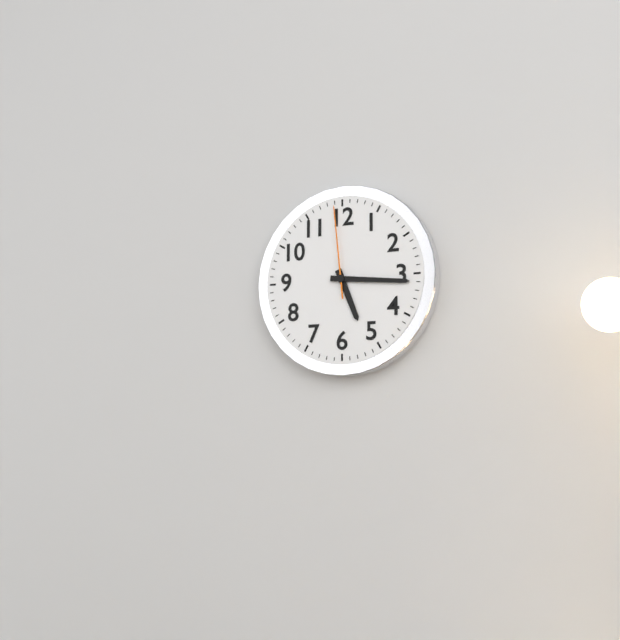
5:16:59
